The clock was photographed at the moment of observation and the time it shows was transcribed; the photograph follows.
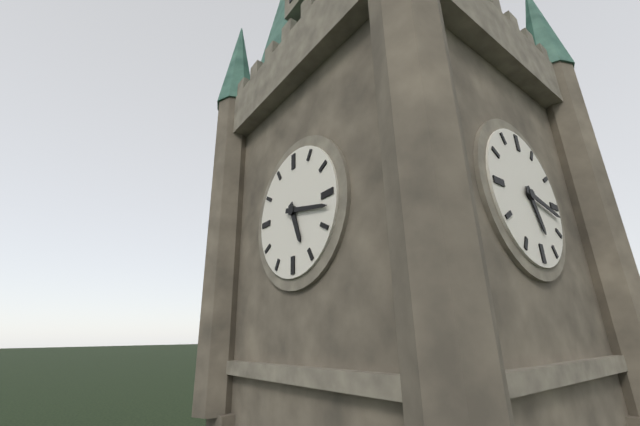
5:17
